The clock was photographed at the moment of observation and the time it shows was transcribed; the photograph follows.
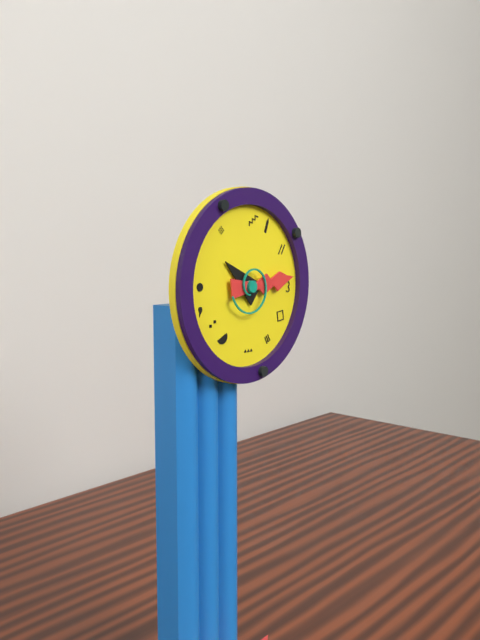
10:14
